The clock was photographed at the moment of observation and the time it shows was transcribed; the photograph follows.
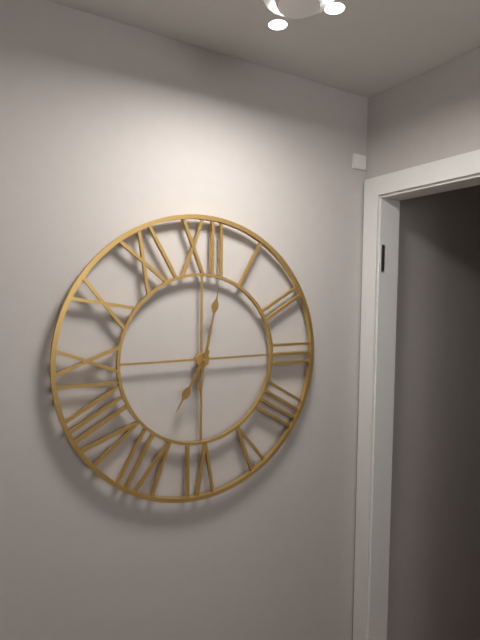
7:02
